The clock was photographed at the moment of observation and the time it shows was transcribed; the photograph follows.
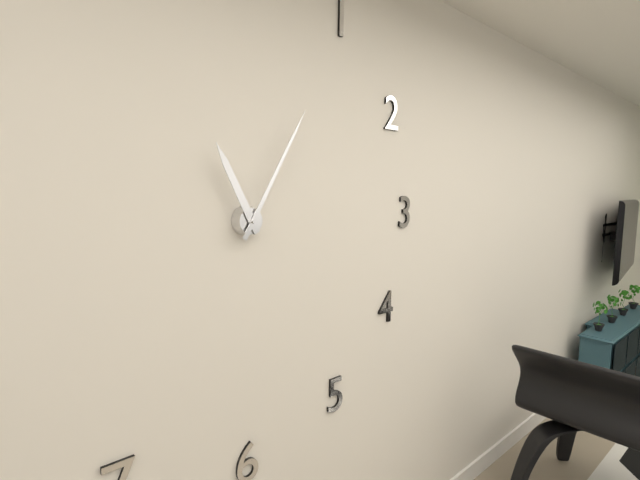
11:05
